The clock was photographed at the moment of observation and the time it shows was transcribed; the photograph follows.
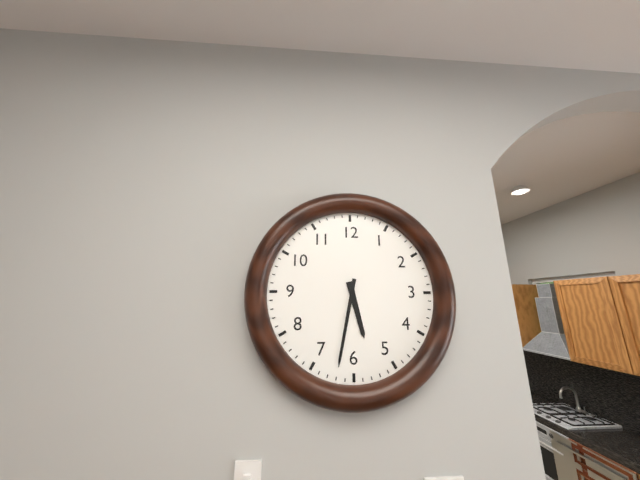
5:32
